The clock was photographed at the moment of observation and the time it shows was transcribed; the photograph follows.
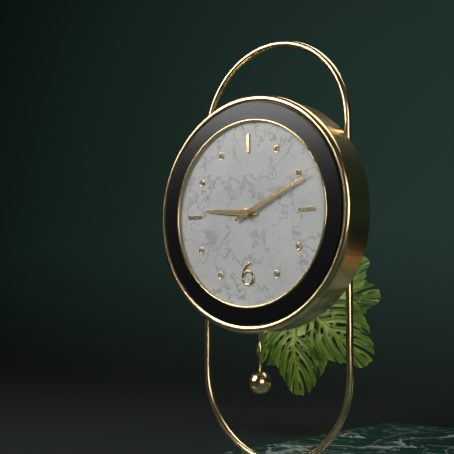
9:11
